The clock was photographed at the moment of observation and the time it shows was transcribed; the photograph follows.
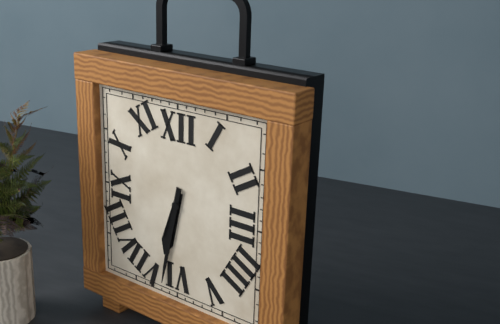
6:32
